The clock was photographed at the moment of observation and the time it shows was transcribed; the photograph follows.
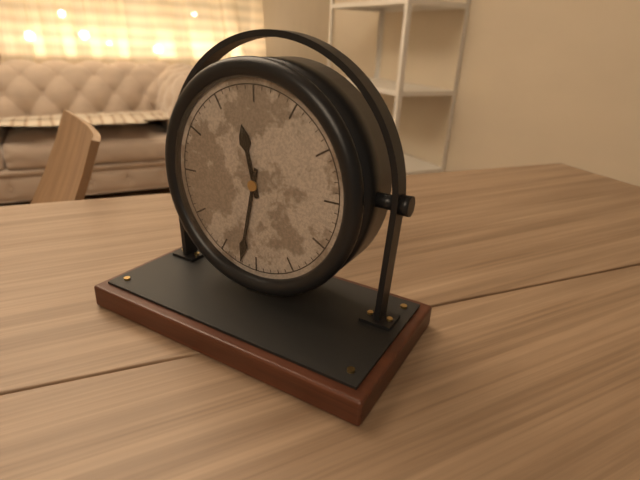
11:32
